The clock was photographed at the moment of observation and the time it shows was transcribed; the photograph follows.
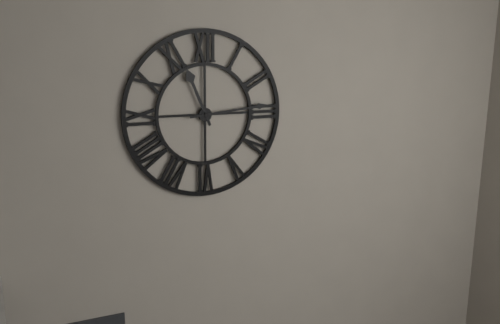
11:14
